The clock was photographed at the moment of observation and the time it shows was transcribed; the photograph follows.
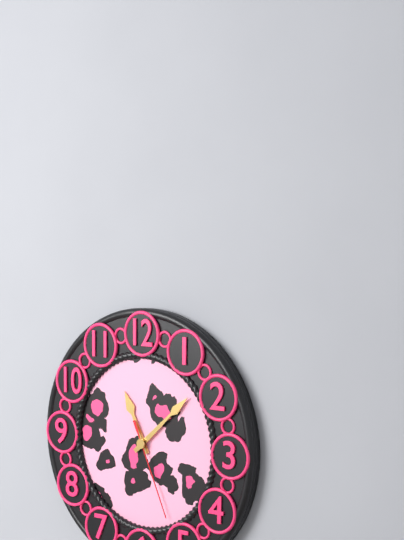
11:08:26
